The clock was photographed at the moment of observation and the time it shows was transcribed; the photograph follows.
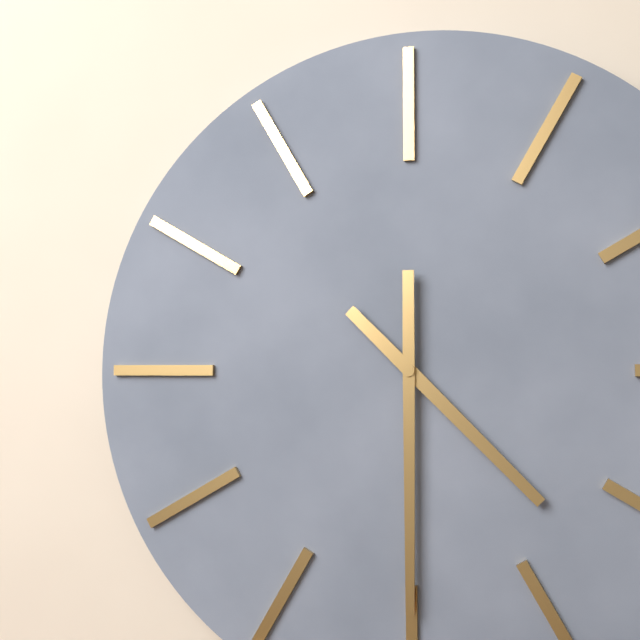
4:30
